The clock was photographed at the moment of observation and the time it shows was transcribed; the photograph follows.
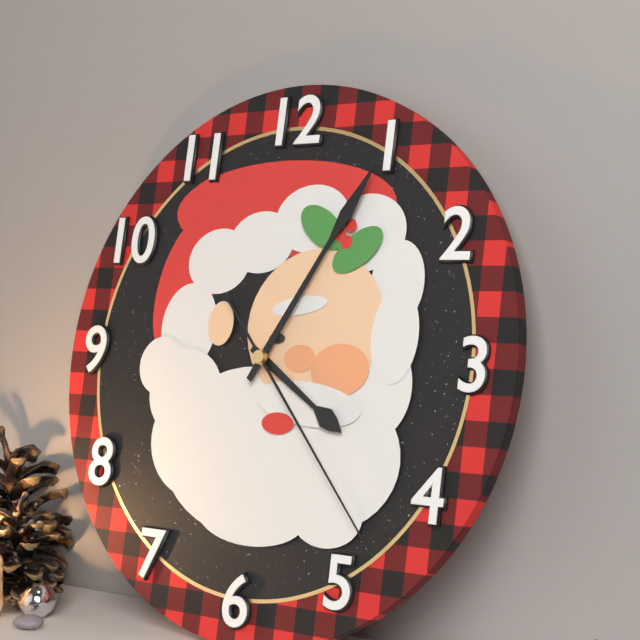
4:05:23
